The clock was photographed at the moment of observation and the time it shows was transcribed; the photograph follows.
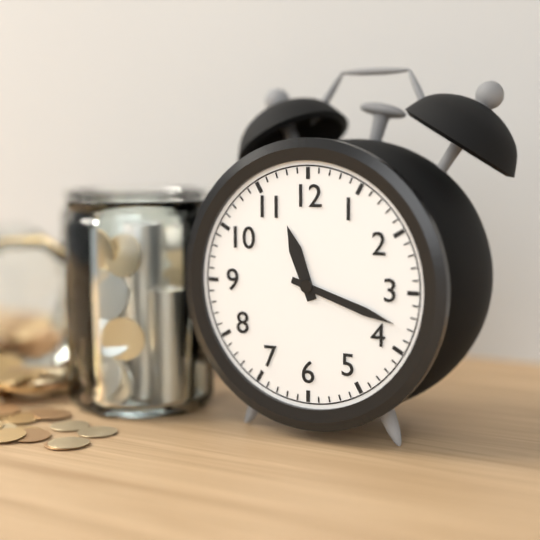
11:18
